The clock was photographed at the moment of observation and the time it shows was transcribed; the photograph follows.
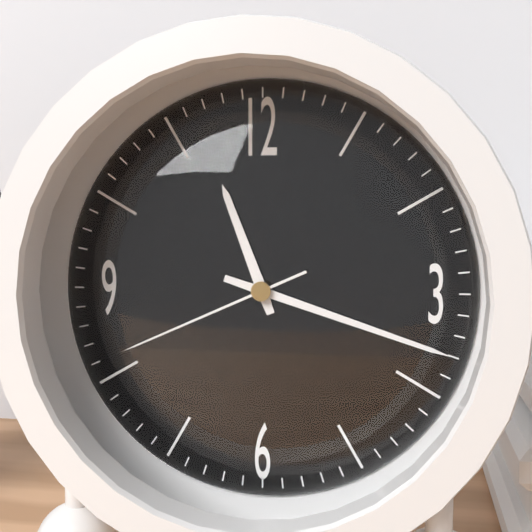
11:18:41
